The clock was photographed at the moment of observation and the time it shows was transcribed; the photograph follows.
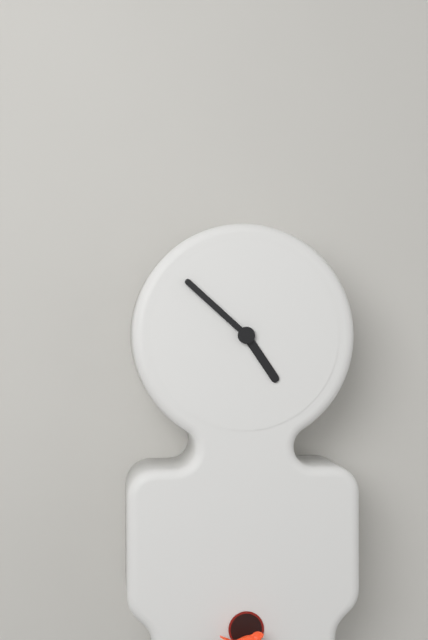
4:52
